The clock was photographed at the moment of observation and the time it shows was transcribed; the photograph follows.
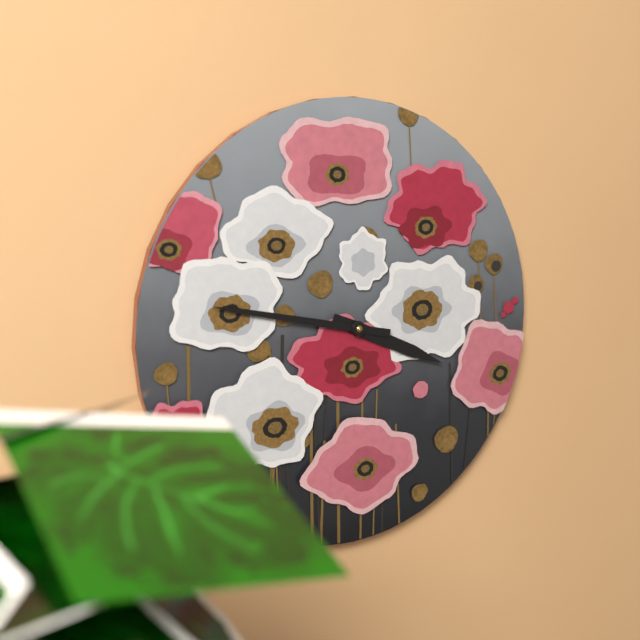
3:47
